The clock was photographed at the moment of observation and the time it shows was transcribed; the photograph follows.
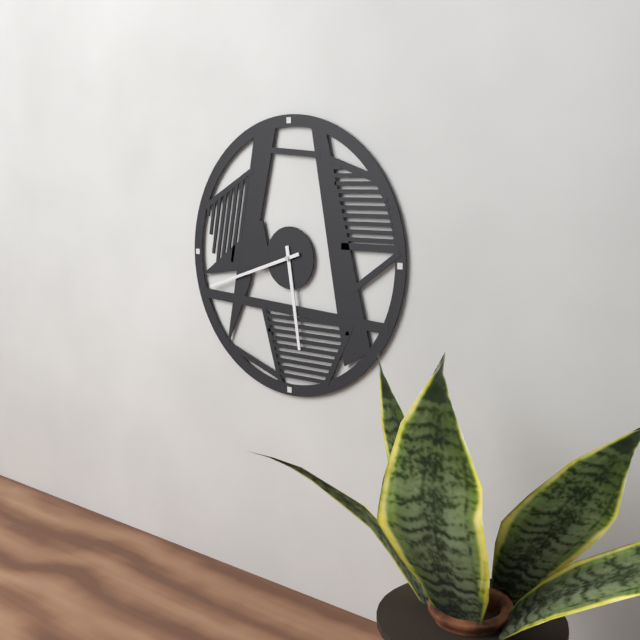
5:42
